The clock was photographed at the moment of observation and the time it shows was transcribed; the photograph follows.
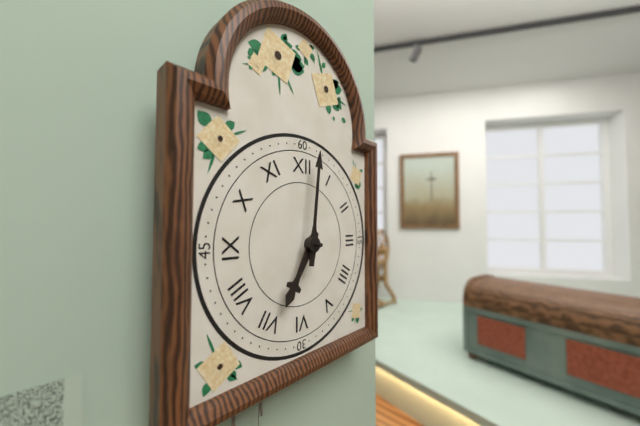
7:01
